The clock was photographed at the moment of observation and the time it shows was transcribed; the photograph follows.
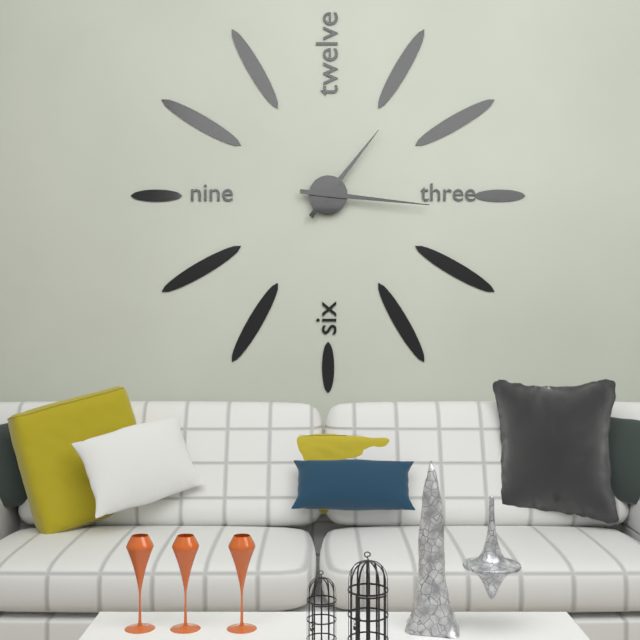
1:16
